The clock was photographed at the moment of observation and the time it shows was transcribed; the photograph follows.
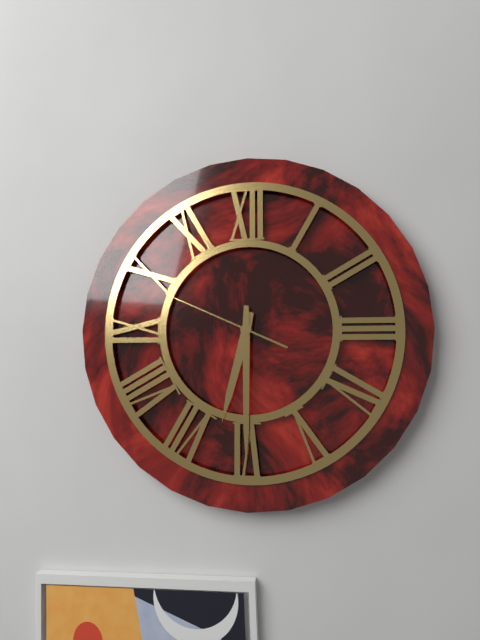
6:30:49
